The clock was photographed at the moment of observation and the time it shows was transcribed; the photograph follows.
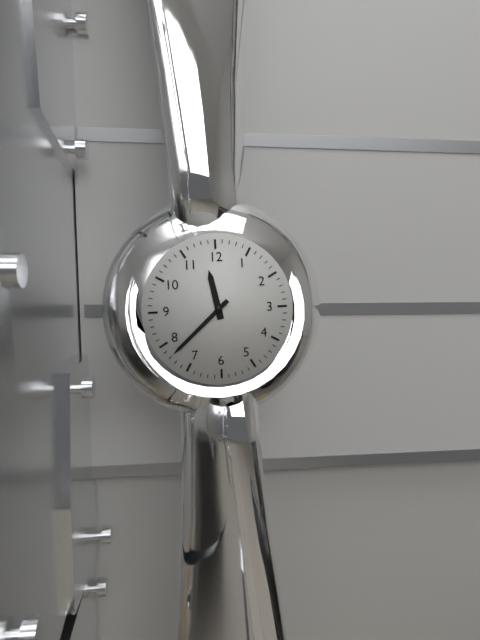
11:38
